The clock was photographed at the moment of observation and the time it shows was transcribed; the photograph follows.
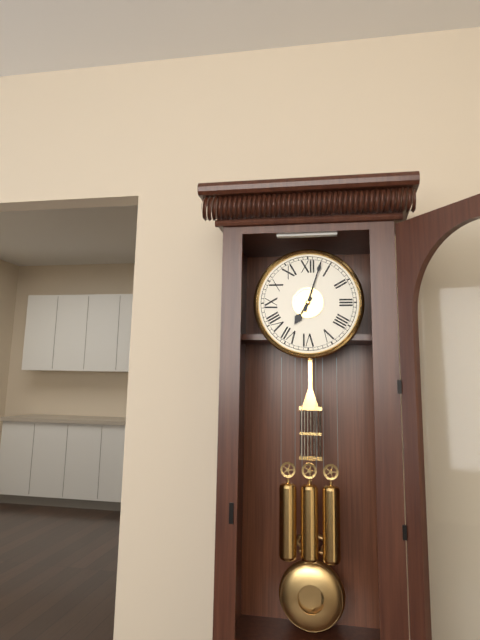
7:03
